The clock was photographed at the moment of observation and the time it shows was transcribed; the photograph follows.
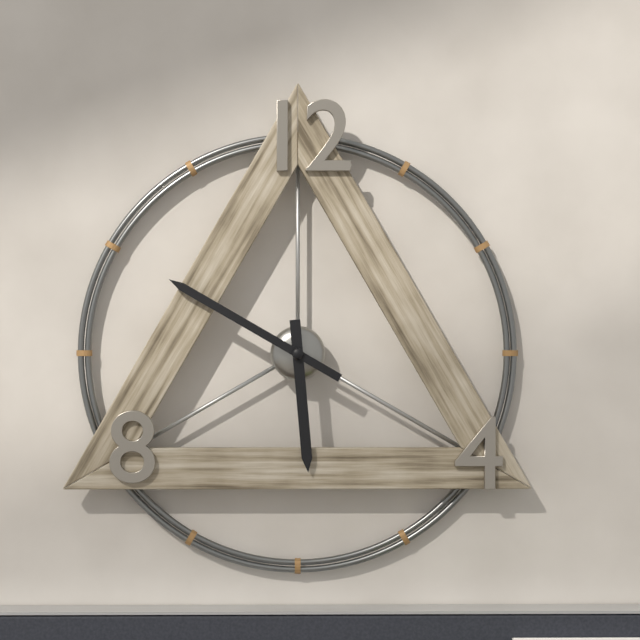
5:50
